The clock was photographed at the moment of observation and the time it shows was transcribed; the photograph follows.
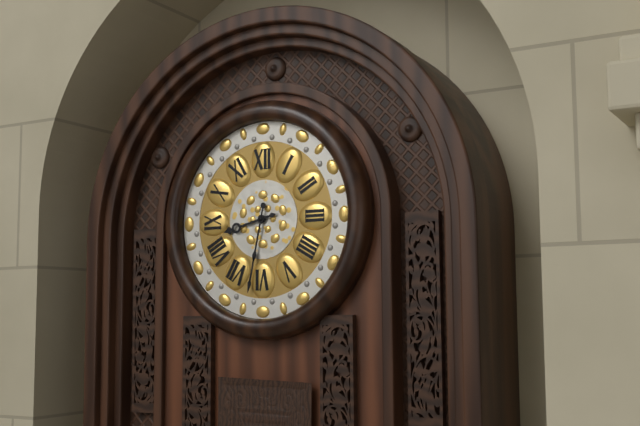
8:32
